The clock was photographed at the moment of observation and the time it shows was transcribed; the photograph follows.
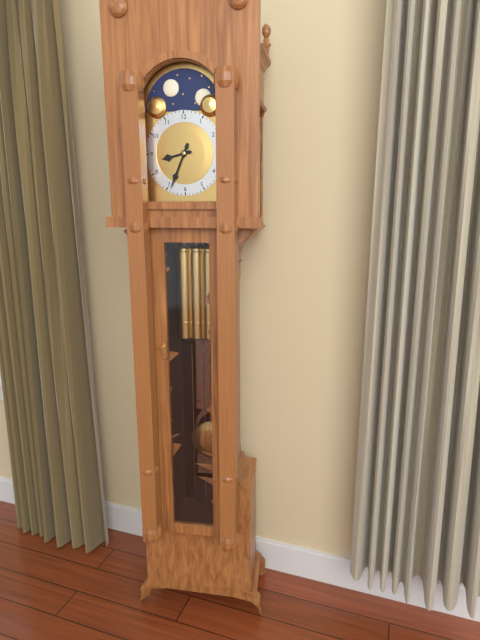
8:34
